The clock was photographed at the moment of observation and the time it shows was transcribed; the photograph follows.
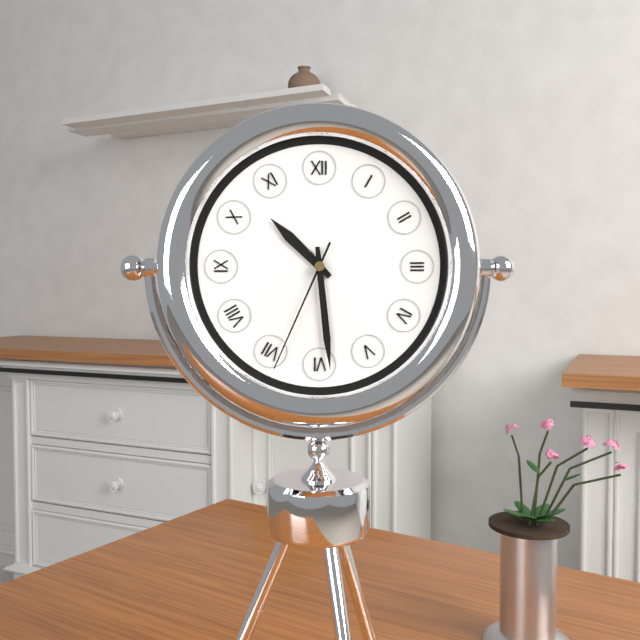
10:29:34
